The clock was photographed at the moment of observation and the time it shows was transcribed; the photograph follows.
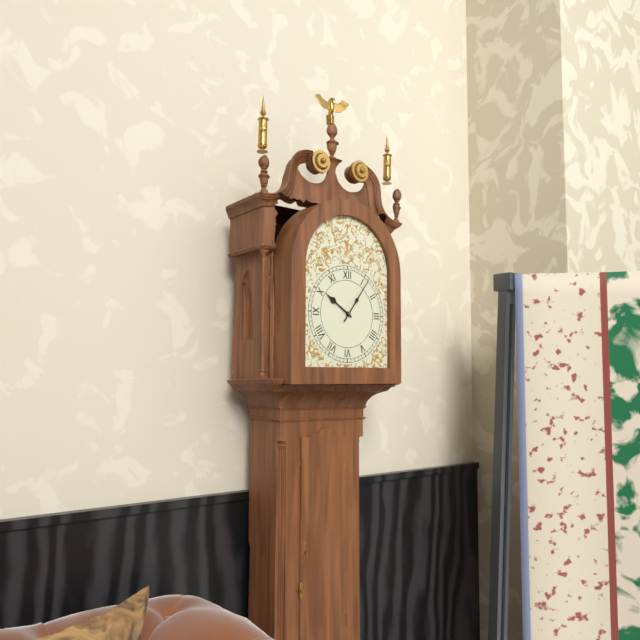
10:06
